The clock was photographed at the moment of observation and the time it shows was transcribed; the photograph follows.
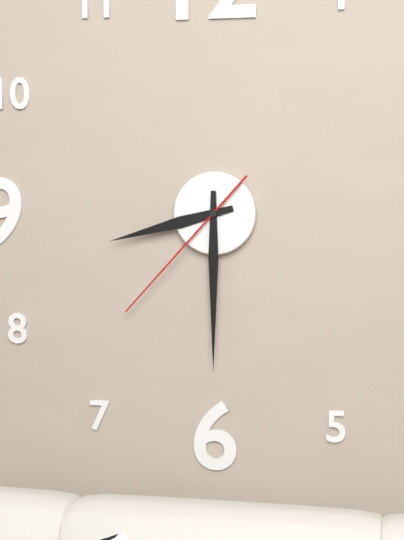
8:30:37
